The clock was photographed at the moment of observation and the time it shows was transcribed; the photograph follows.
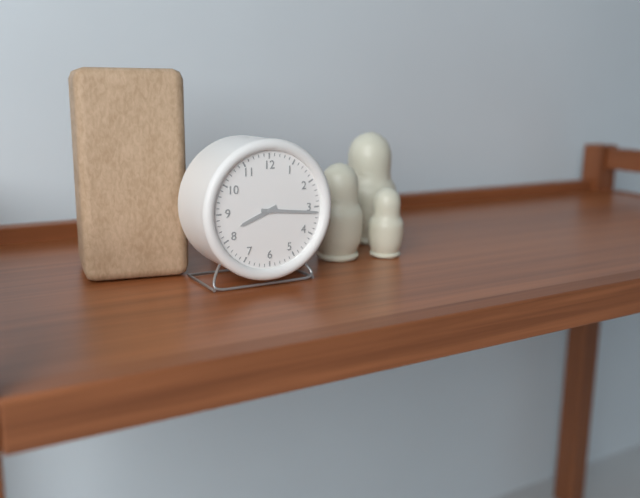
8:16
